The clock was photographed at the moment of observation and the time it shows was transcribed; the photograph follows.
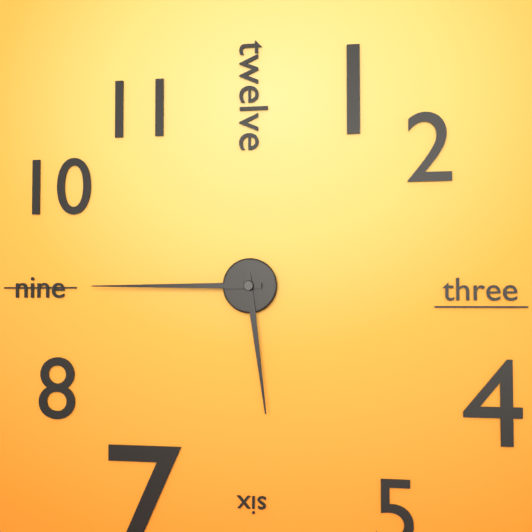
5:45
